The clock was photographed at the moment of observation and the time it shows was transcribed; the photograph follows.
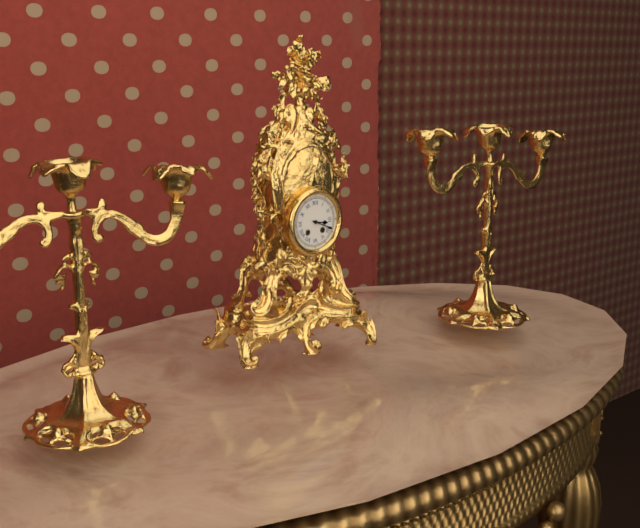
3:19
